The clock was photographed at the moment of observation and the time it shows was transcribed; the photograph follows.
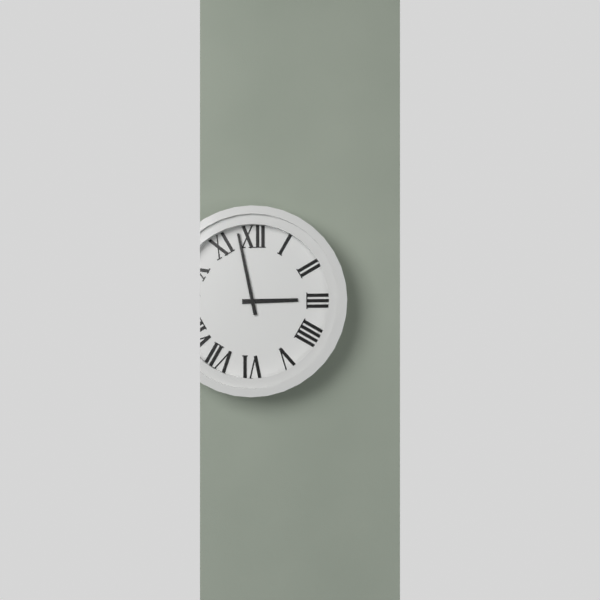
2:58
